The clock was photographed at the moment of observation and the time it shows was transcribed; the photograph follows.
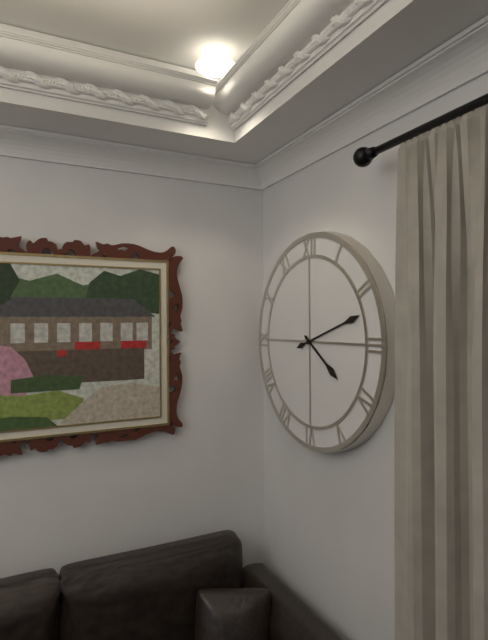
4:12
